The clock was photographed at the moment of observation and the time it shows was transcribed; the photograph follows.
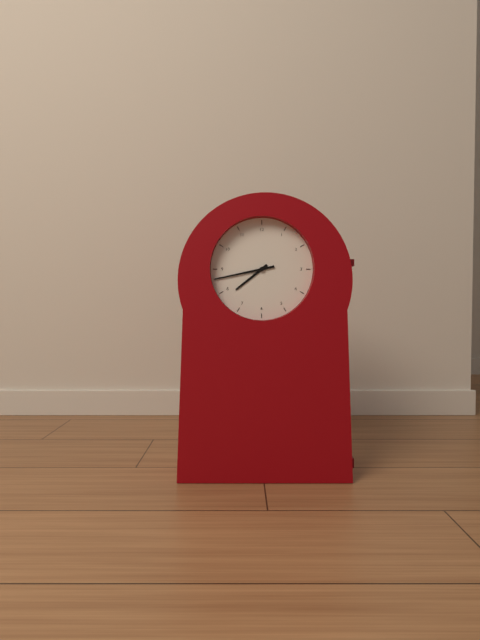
7:43
